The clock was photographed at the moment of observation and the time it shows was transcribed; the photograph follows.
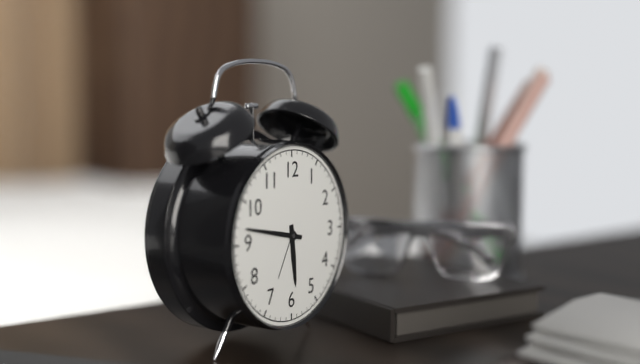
5:47
